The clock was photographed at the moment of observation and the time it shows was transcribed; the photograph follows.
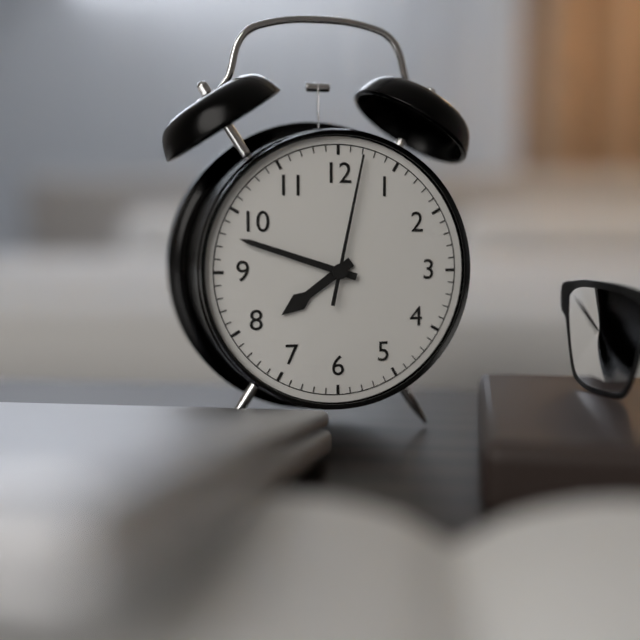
7:48:02
